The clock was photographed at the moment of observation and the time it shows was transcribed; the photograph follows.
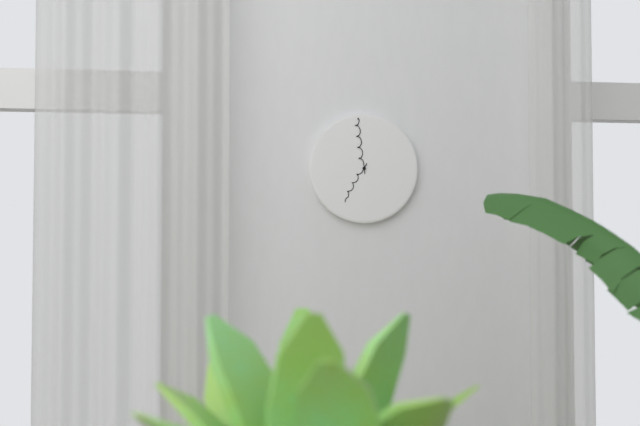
6:59
